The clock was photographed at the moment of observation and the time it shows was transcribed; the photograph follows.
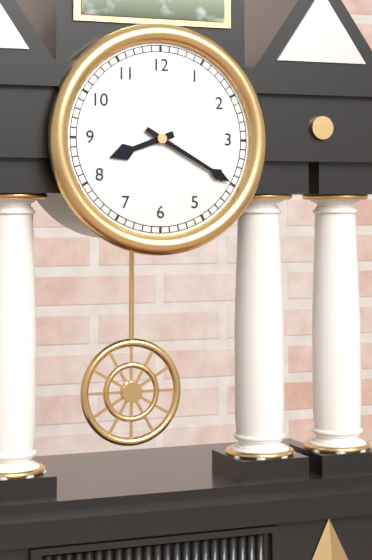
8:20
